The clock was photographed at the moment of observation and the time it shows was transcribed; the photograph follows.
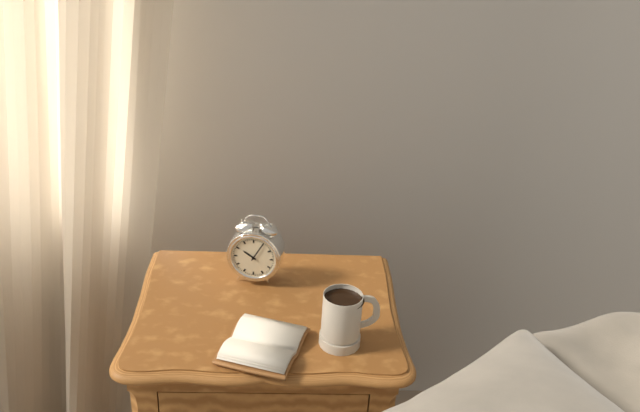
10:05
